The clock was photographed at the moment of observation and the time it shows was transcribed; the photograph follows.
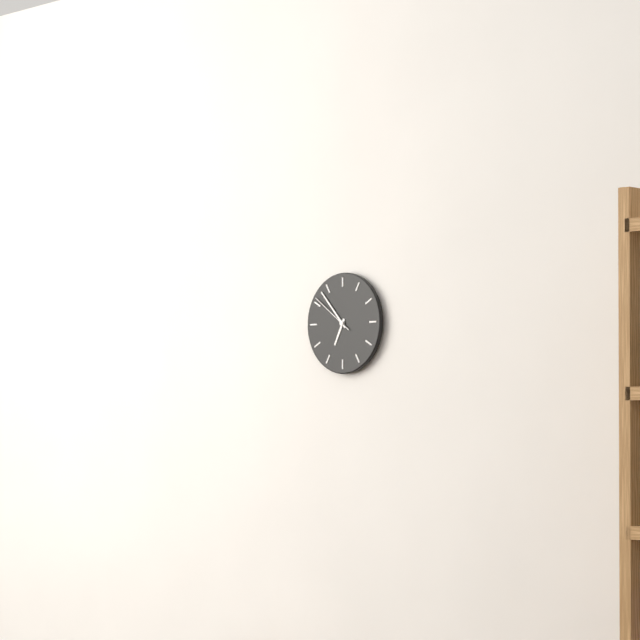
6:53
